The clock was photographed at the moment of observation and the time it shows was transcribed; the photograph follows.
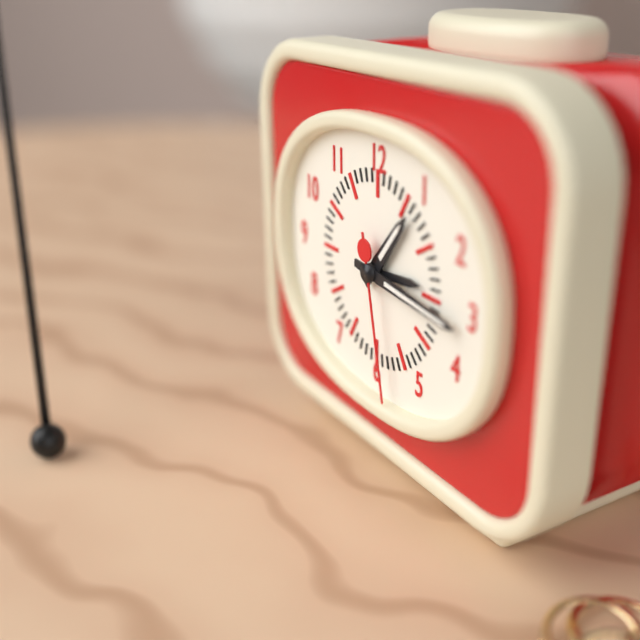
1:16:28
